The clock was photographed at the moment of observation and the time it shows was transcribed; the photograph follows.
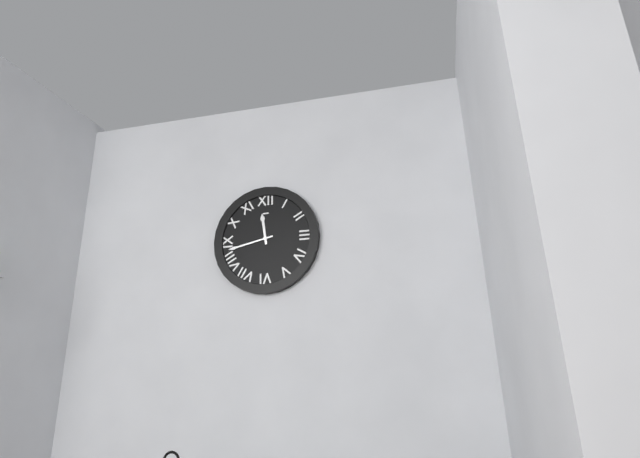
11:43
